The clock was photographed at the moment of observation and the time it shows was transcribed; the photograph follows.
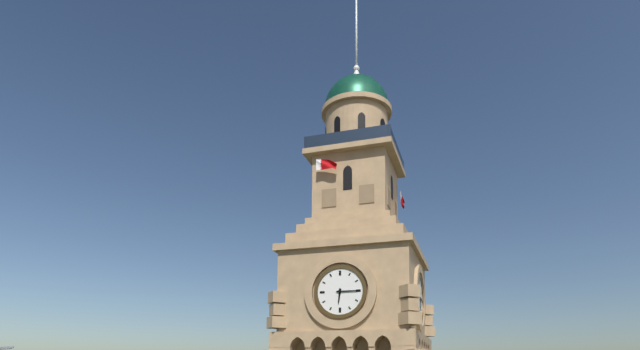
6:15
